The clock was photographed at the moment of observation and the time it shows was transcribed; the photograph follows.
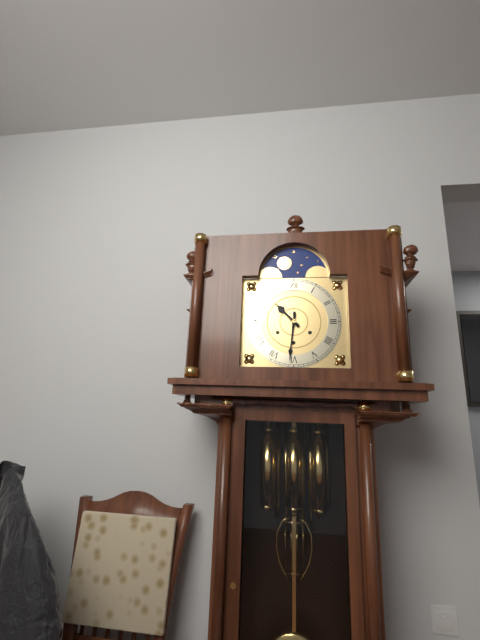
10:31
